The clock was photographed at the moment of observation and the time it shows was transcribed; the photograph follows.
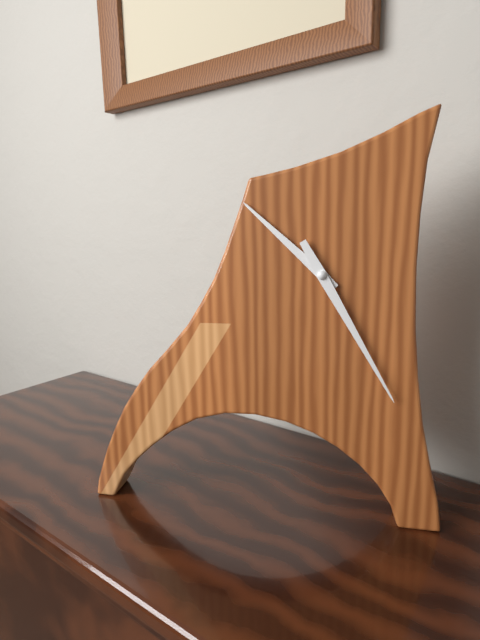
10:25
